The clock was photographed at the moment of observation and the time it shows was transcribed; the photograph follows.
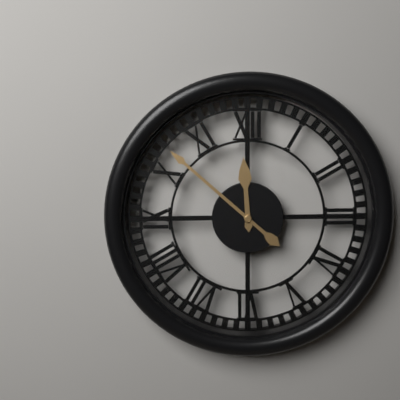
11:52
